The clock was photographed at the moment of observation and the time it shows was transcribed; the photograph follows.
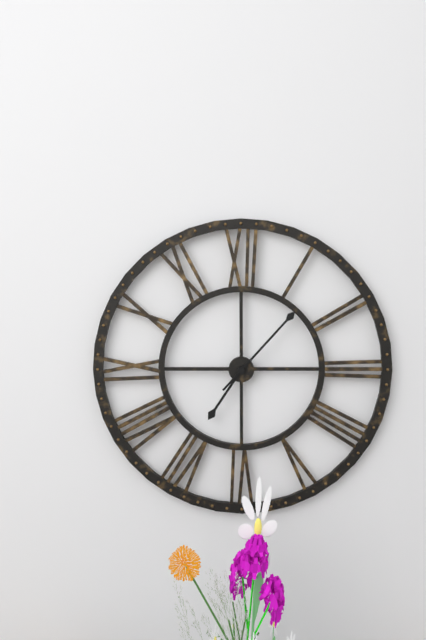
7:07
